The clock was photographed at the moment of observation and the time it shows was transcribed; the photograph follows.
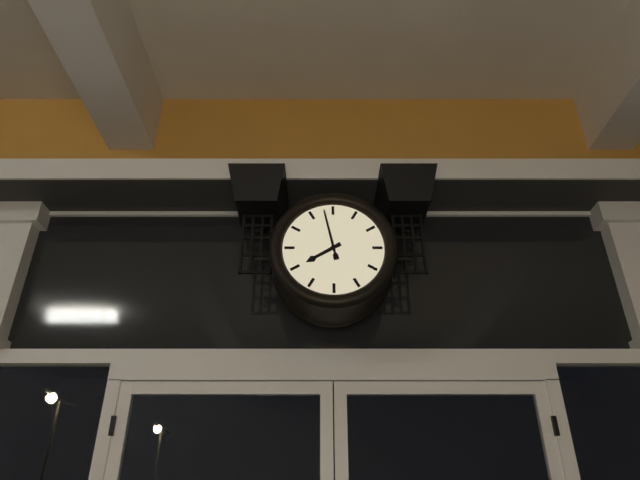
7:58
